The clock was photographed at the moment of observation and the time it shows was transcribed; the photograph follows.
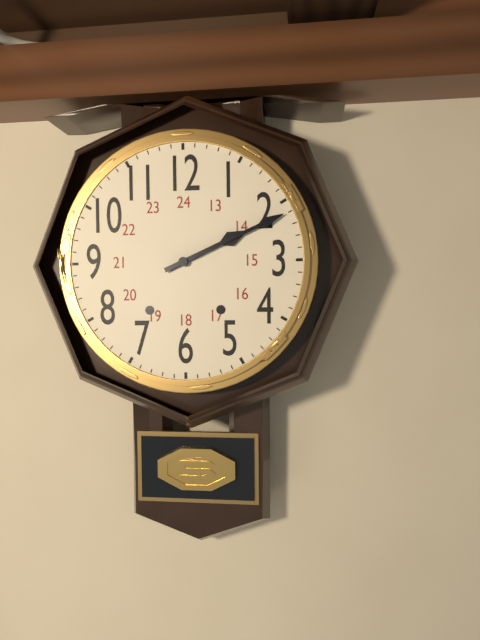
2:11
